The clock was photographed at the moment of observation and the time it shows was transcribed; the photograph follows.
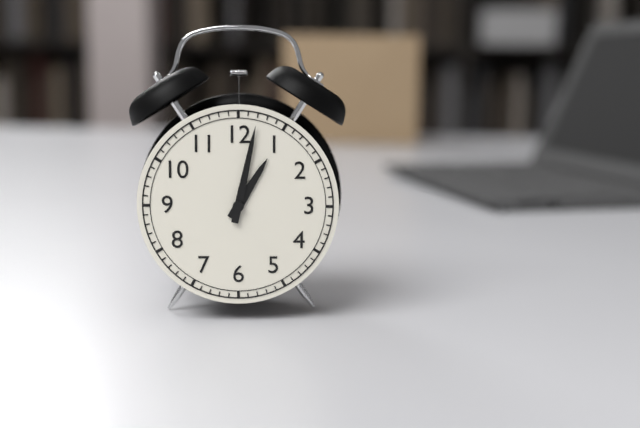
1:02
